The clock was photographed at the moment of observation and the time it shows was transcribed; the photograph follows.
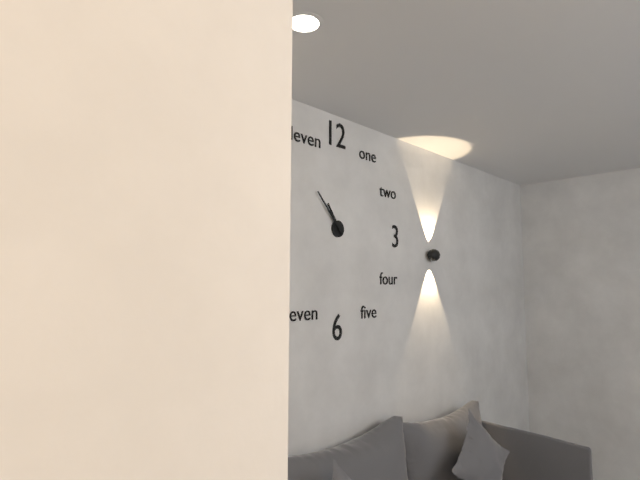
10:53
